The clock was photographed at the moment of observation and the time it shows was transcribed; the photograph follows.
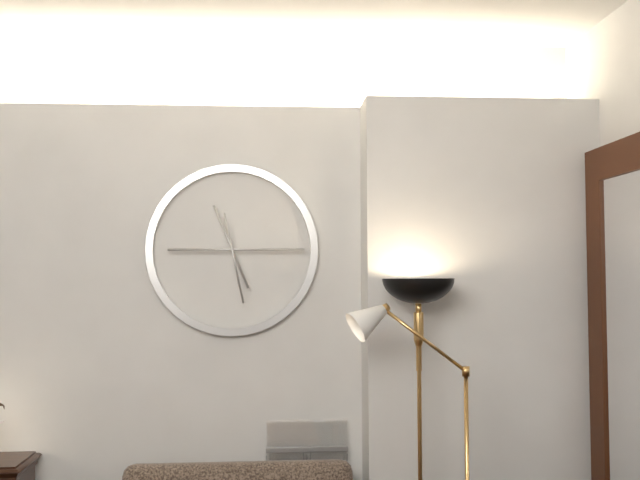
11:15:28
